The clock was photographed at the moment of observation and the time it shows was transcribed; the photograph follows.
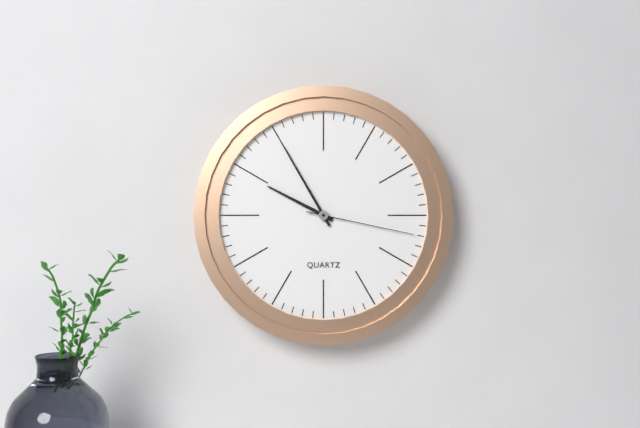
9:55:17
